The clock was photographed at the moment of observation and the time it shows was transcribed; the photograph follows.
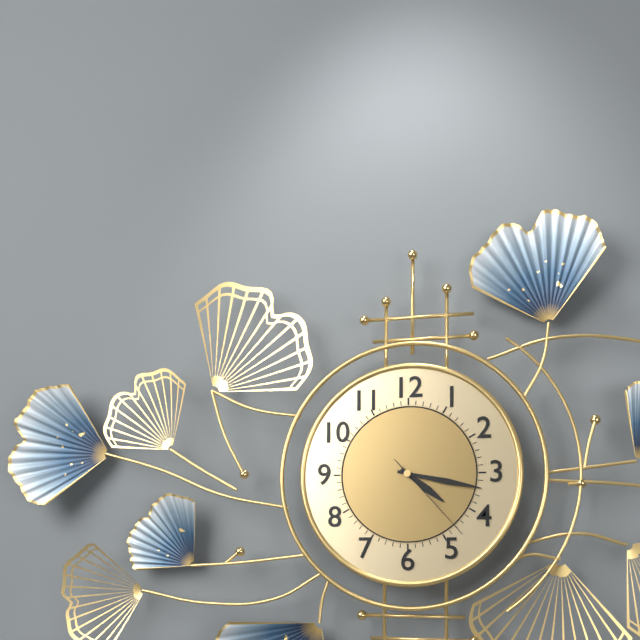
4:17:23
